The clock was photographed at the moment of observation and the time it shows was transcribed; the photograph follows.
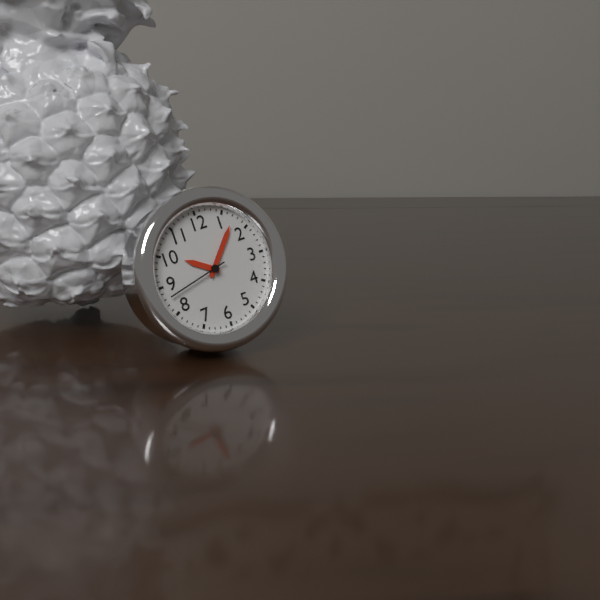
10:07:43
